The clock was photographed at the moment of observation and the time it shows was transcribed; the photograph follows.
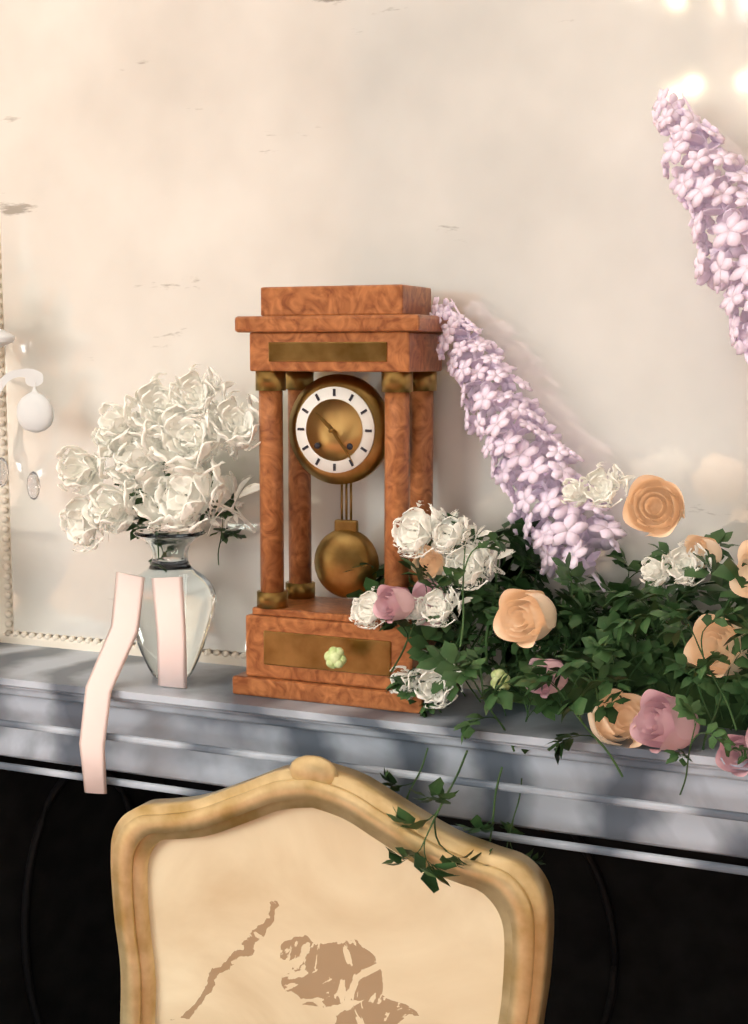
10:24
